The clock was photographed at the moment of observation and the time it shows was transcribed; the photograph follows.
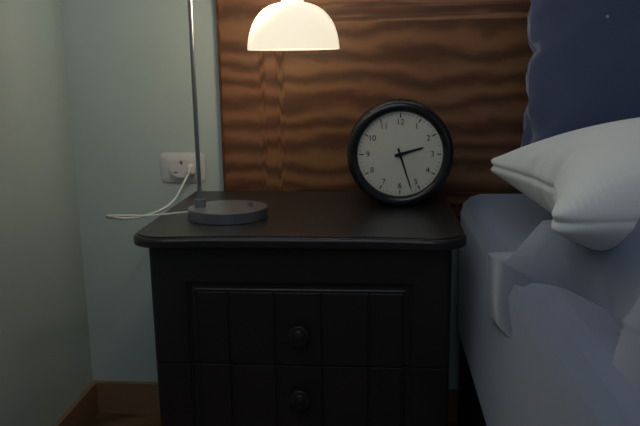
2:27
